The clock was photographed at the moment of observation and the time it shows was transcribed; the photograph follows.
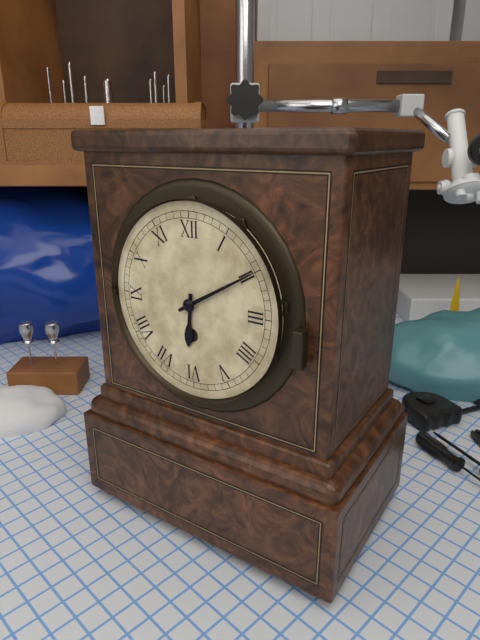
6:10
